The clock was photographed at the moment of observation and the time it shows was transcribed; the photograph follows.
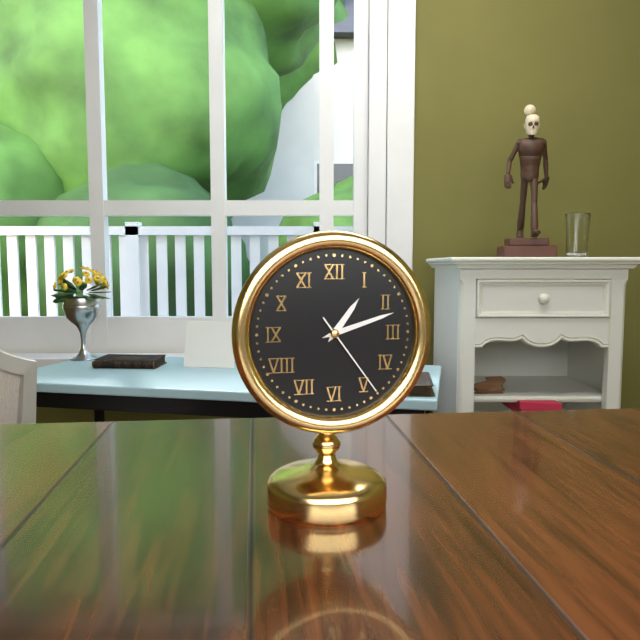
1:12:24
